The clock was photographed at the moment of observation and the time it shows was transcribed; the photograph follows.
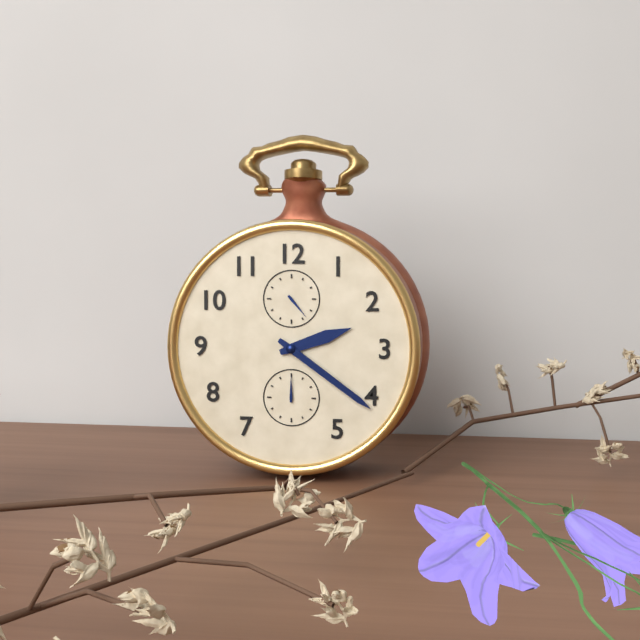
2:21
